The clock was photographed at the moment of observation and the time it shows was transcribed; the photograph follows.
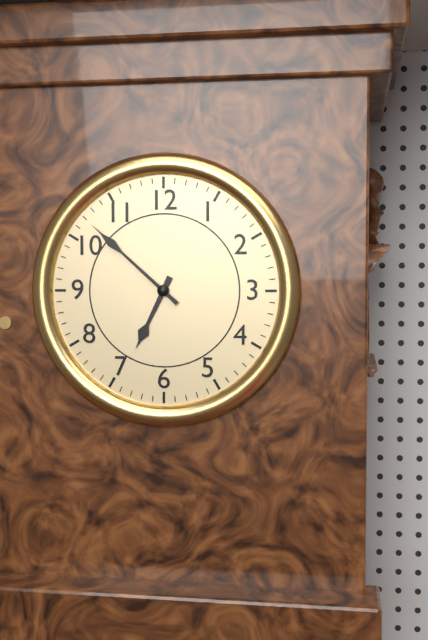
6:52
